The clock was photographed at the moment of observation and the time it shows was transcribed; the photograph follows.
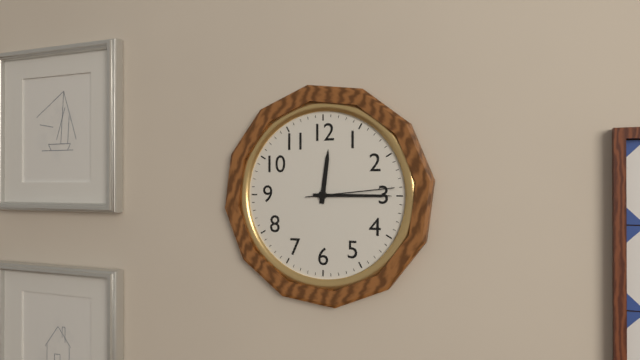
12:15:14
